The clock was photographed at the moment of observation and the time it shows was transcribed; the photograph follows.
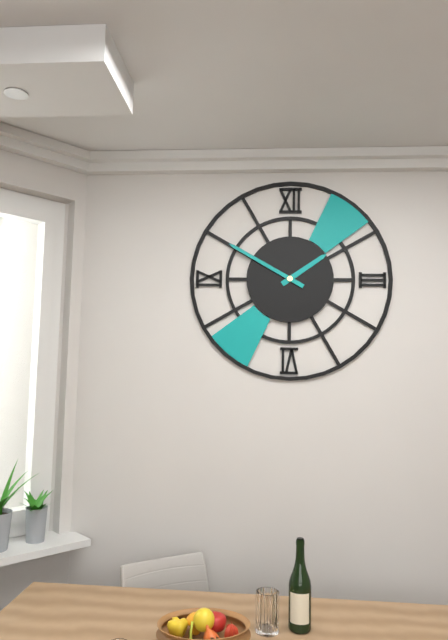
1:50
